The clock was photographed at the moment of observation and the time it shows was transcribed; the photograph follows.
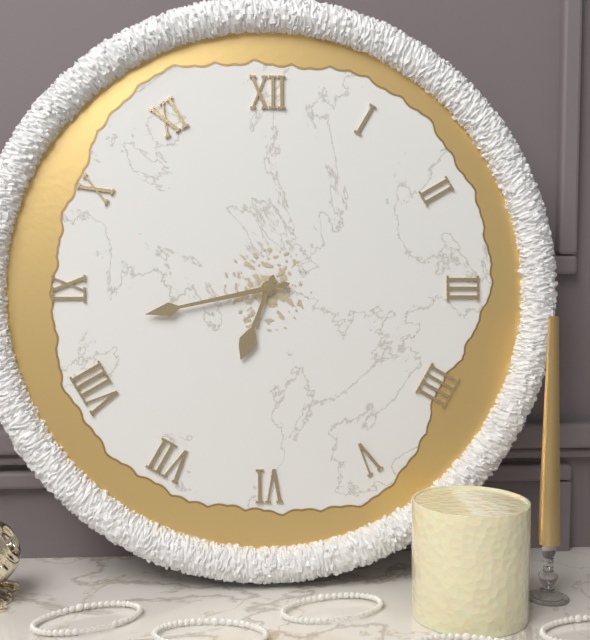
6:43
